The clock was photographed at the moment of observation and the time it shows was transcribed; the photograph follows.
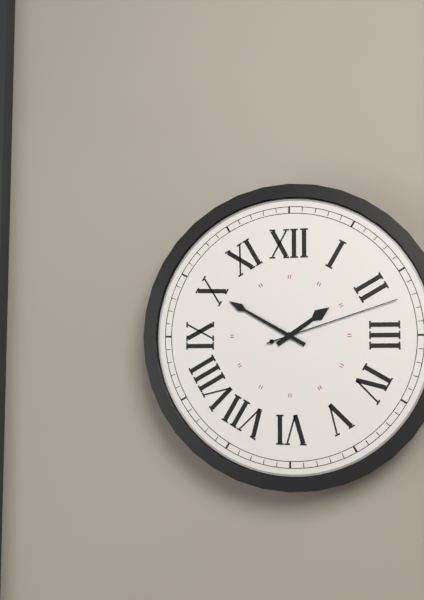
1:50:12
